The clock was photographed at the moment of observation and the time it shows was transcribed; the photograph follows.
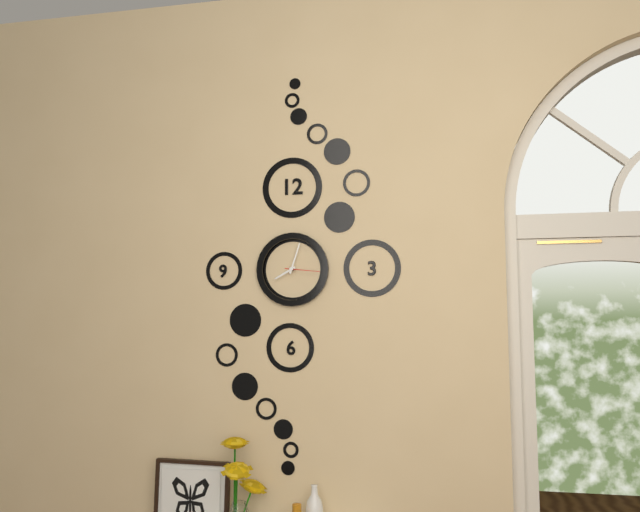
8:03
